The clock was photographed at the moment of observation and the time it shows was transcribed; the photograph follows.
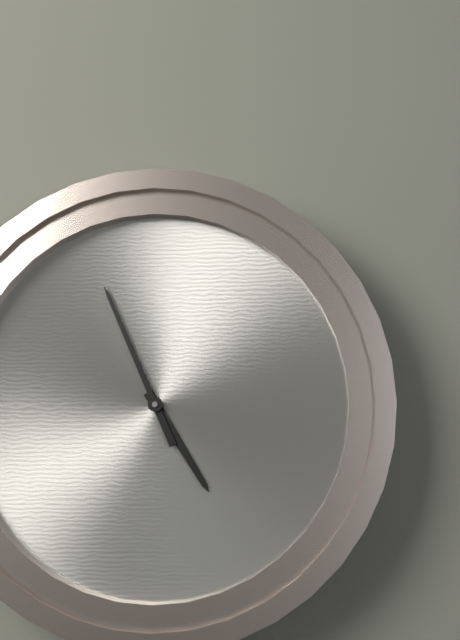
4:56
